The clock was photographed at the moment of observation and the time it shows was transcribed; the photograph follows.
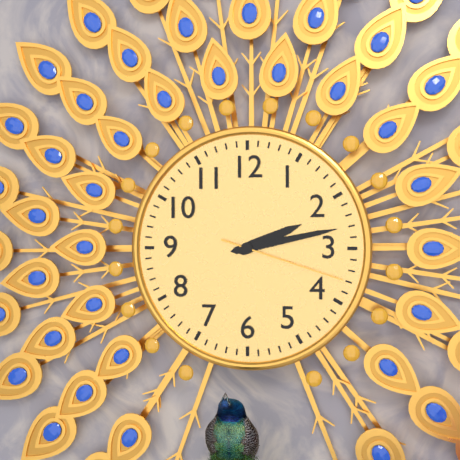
2:13:18
